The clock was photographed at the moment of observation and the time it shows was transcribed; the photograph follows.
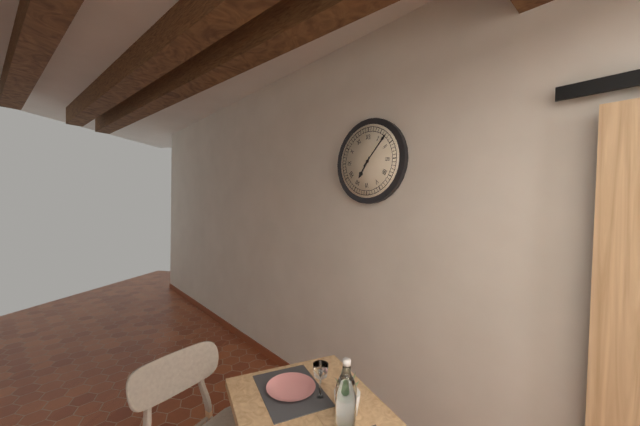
7:07
